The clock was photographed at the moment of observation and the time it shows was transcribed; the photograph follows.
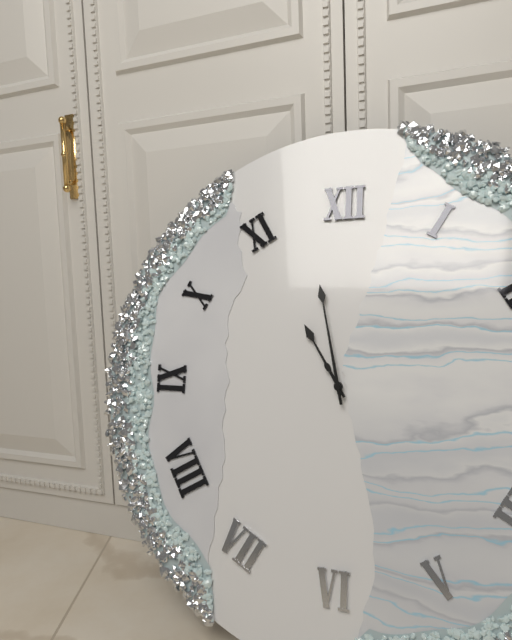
10:58
